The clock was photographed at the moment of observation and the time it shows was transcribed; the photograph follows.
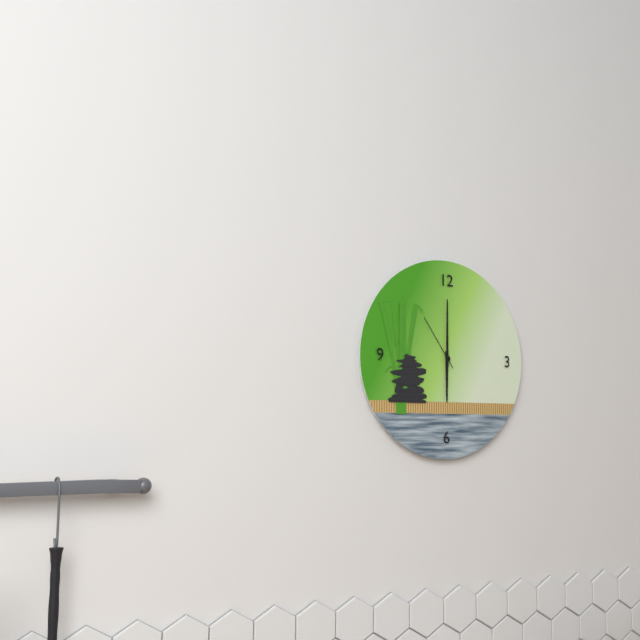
6:00:54
